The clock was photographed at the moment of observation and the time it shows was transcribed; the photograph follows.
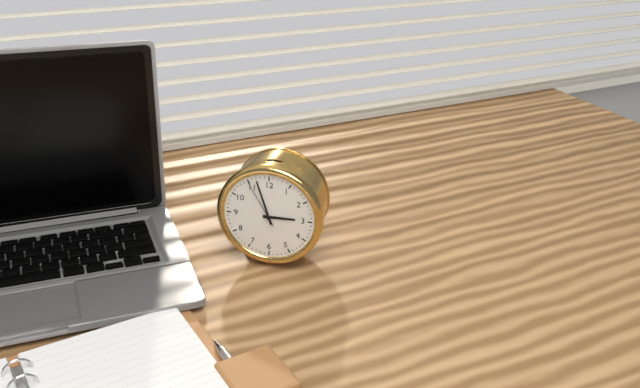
2:57:55
